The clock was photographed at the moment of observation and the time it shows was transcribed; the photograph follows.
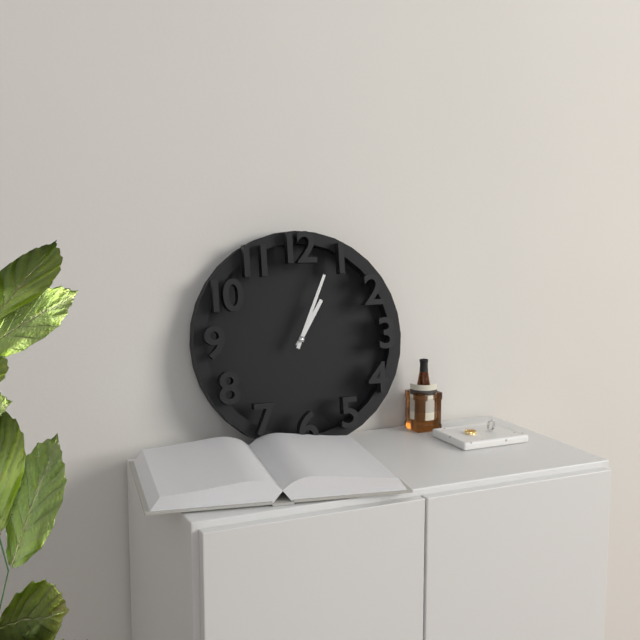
1:04
